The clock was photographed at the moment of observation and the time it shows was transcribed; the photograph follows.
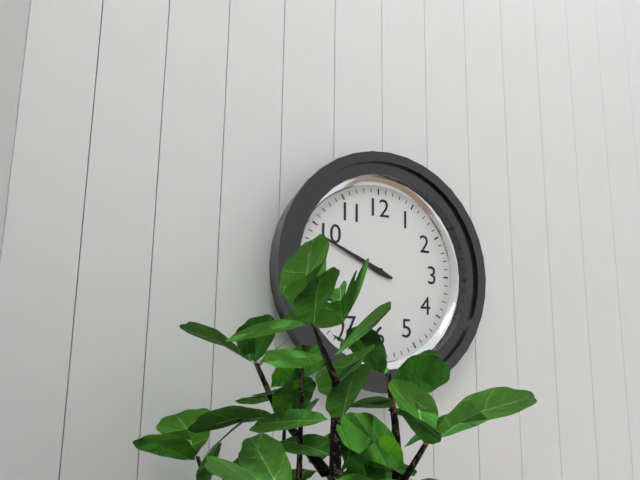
9:49
